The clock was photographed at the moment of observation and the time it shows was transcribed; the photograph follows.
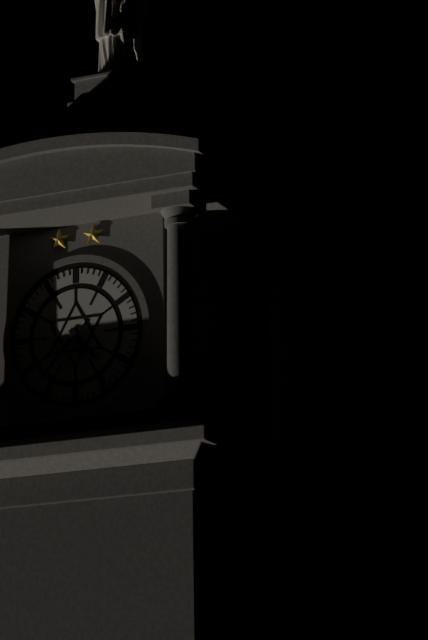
4:37
